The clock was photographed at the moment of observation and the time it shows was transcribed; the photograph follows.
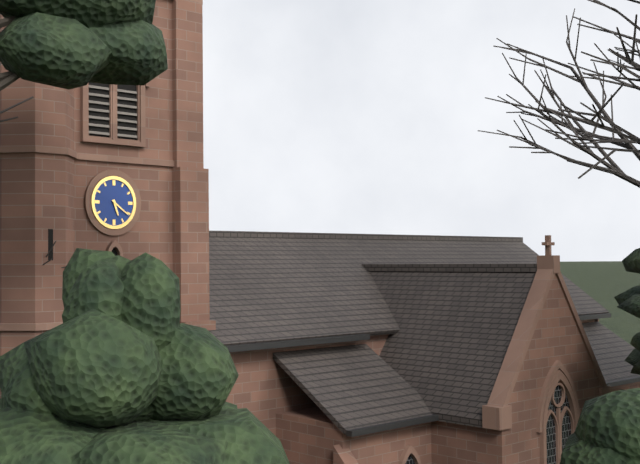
5:21
